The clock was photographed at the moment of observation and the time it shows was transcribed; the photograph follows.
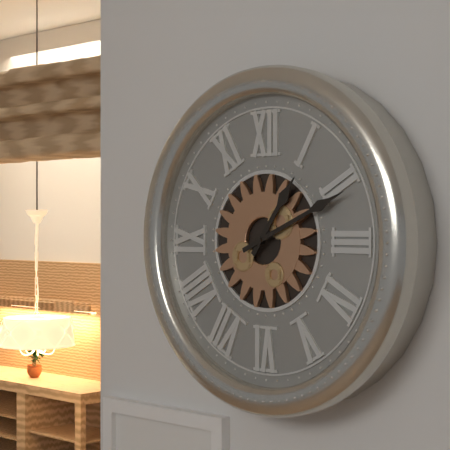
1:11
